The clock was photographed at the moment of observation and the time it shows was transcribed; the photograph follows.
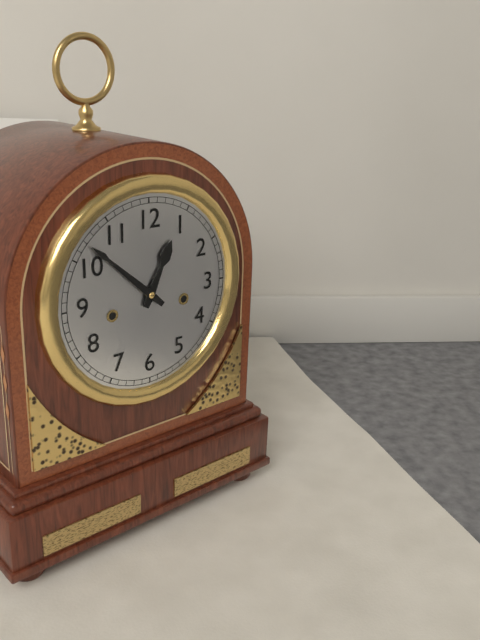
12:52
